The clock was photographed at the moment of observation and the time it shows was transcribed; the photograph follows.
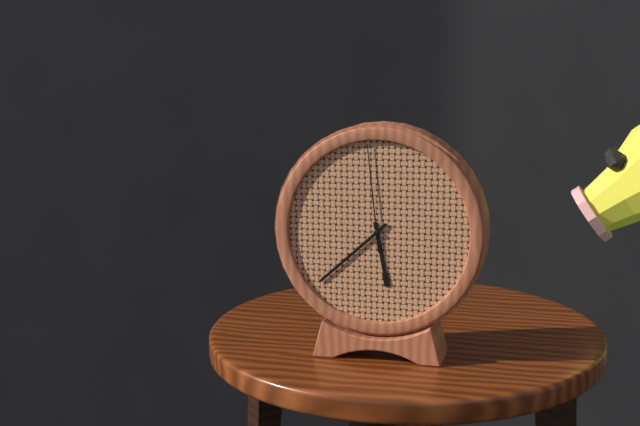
5:38:59
